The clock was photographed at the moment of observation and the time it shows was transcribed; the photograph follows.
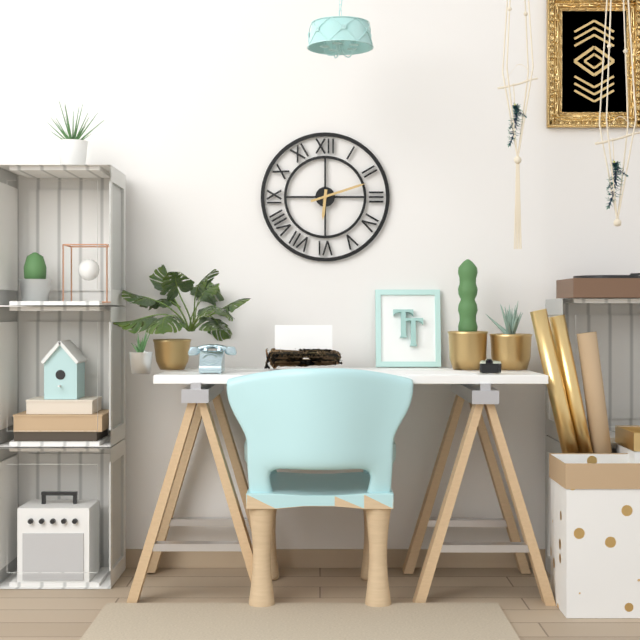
6:12
